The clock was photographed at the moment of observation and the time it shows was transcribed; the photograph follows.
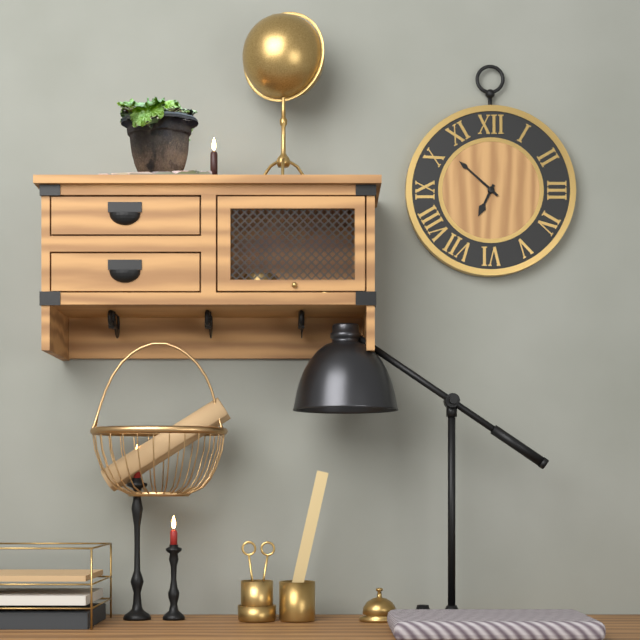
6:52
